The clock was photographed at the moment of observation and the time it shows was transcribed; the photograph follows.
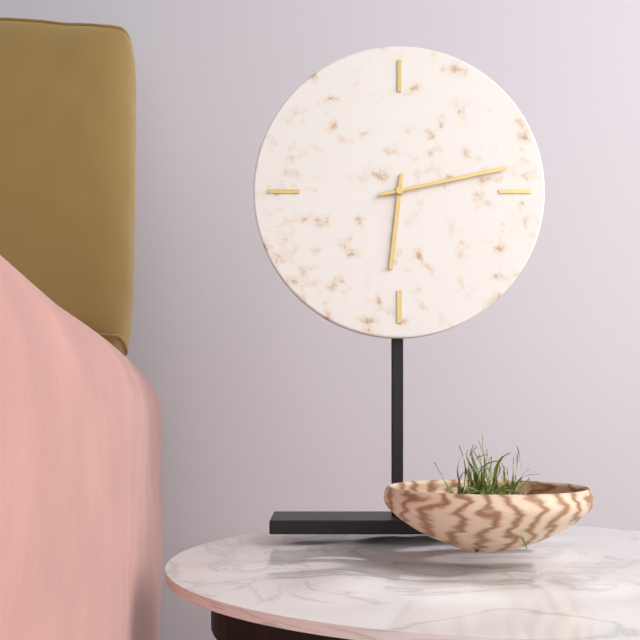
6:13
